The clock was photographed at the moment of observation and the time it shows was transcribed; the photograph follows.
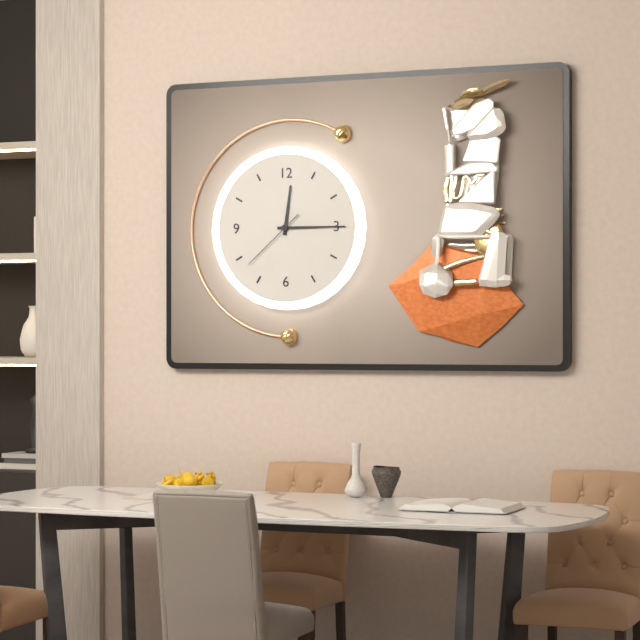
12:15:38
